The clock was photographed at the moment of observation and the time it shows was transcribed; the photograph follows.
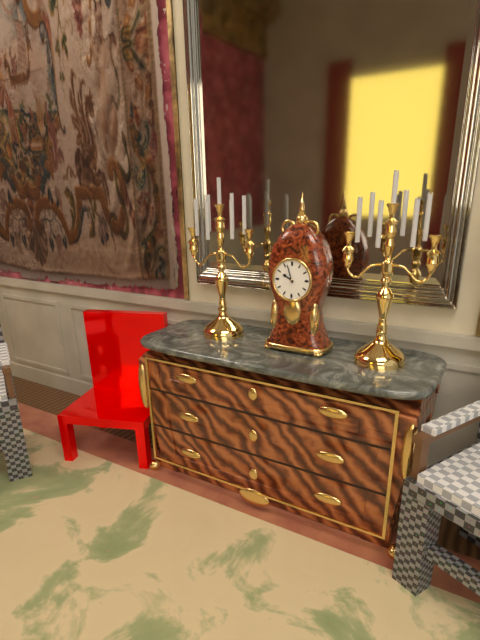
9:57
